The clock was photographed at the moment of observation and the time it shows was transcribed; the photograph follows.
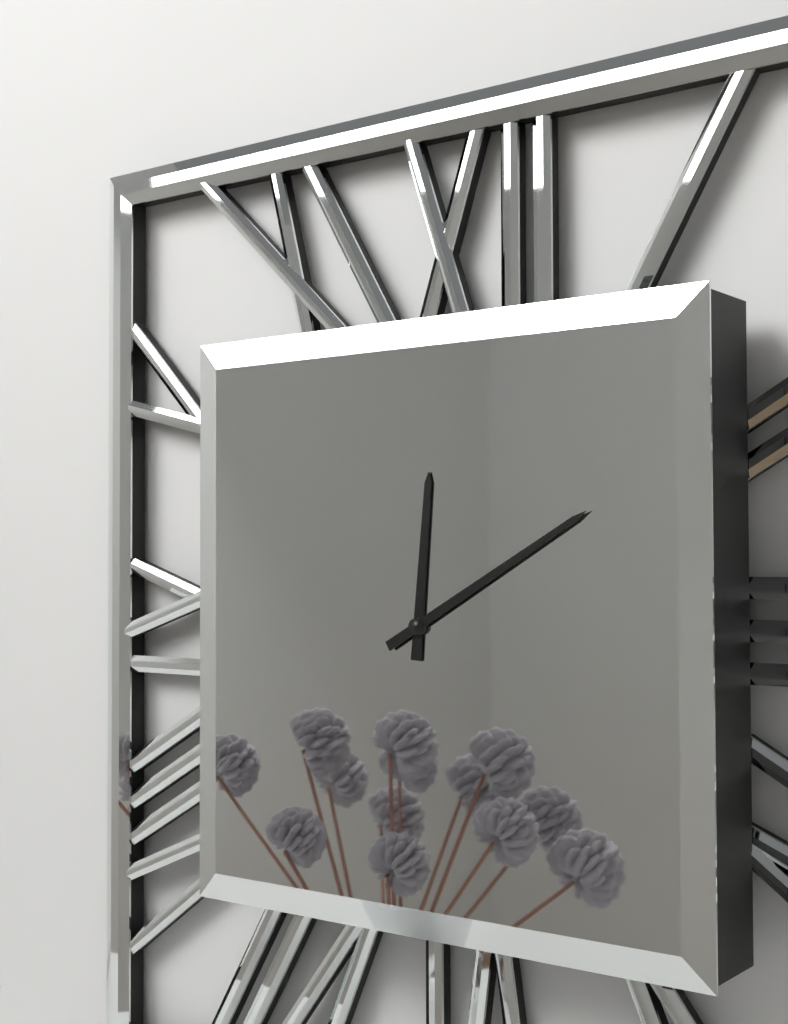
12:10
